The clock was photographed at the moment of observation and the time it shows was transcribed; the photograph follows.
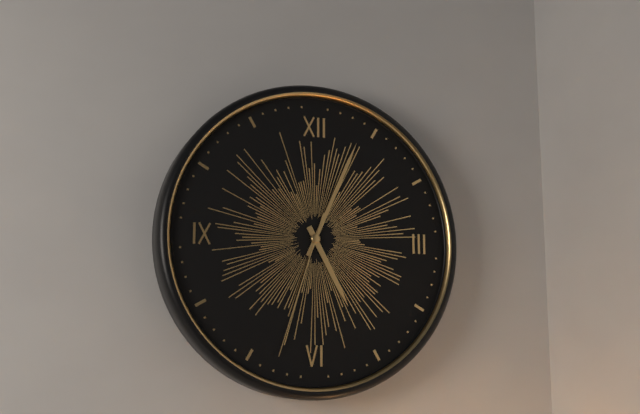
5:04:33
